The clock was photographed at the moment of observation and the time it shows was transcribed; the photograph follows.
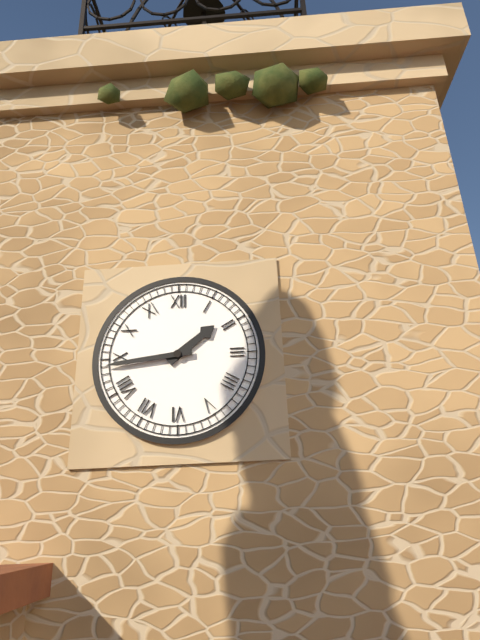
1:44
